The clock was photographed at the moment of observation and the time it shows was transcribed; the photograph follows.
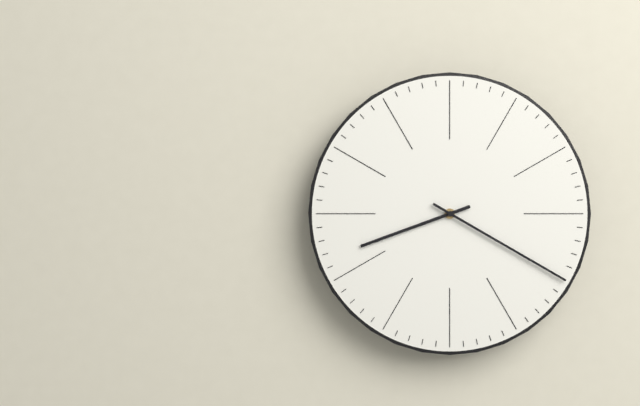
8:20
